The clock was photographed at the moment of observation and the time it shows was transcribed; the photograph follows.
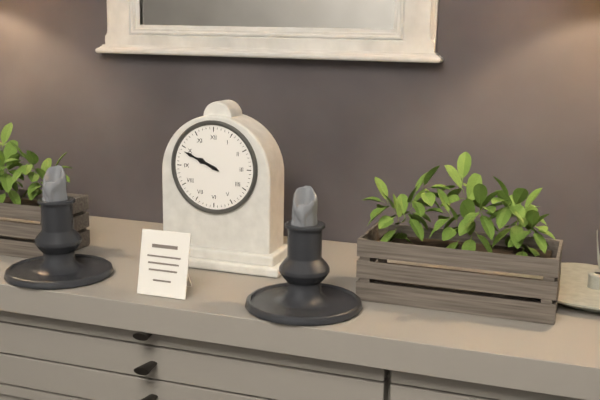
9:49
